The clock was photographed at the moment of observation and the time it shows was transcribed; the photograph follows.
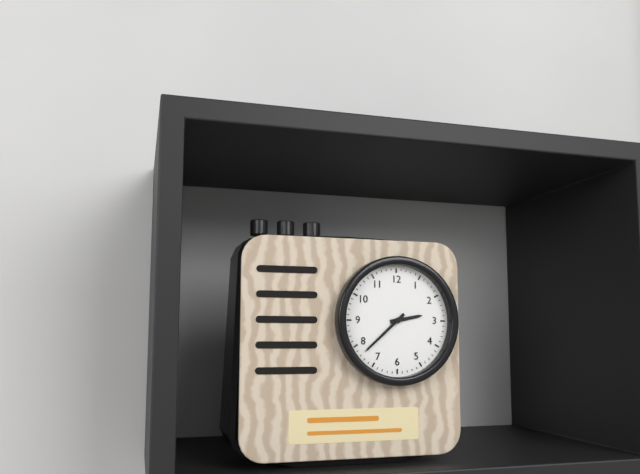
2:38
